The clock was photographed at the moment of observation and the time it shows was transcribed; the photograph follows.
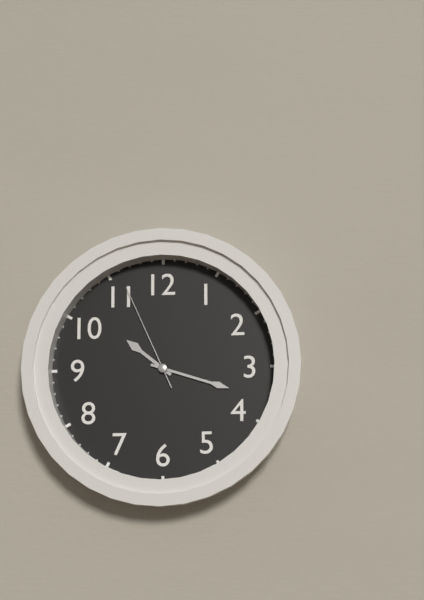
10:18:56
